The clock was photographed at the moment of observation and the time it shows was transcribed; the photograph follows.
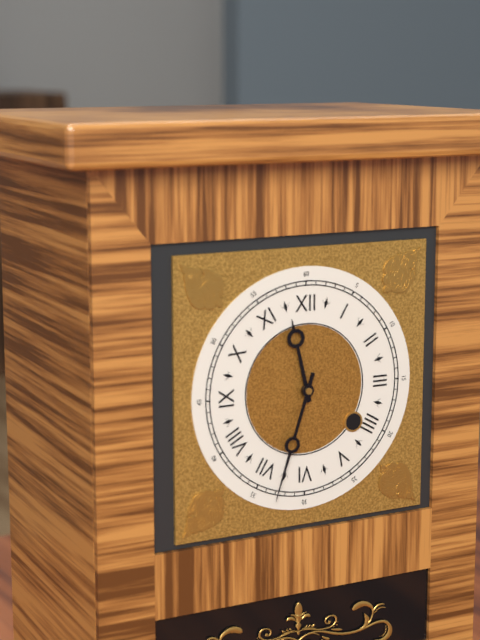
11:33
